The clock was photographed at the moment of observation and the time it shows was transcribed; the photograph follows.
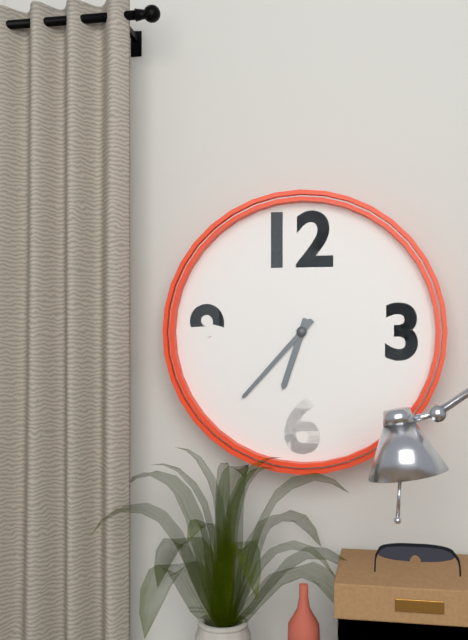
6:37
